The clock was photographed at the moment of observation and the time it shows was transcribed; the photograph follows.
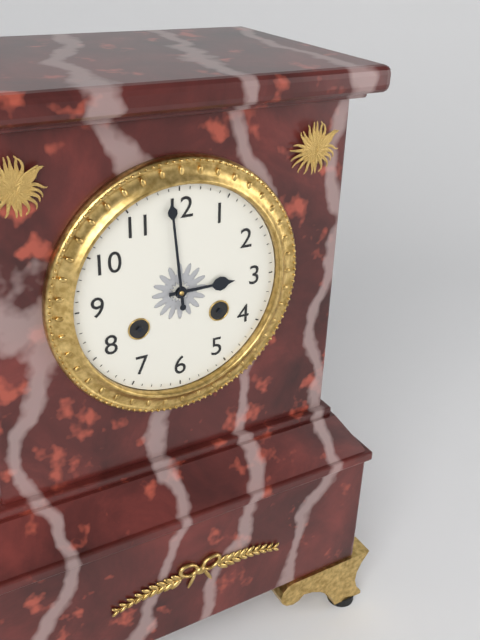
2:59
